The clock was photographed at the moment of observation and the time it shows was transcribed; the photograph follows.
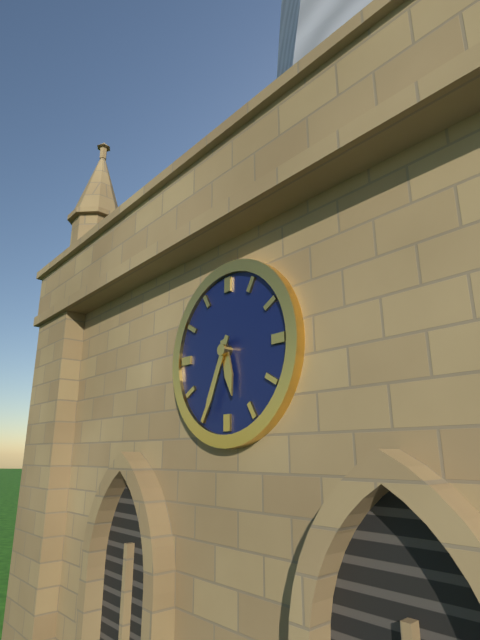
5:34
